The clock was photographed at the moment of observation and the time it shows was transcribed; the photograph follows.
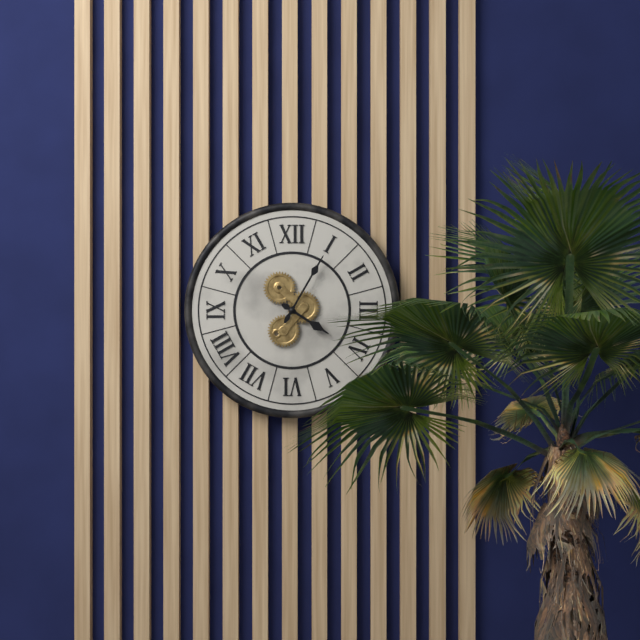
4:05
